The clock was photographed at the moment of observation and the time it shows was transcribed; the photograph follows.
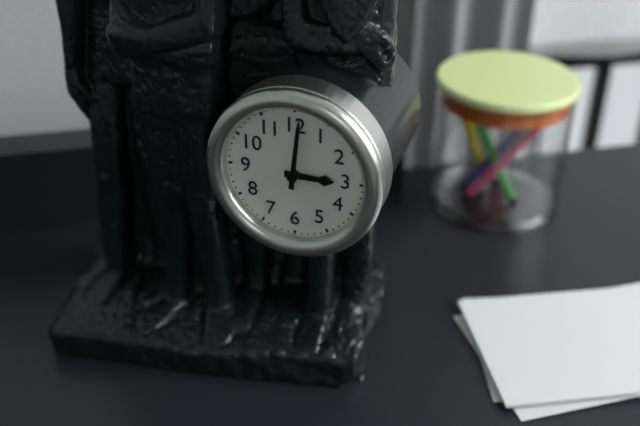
3:01
